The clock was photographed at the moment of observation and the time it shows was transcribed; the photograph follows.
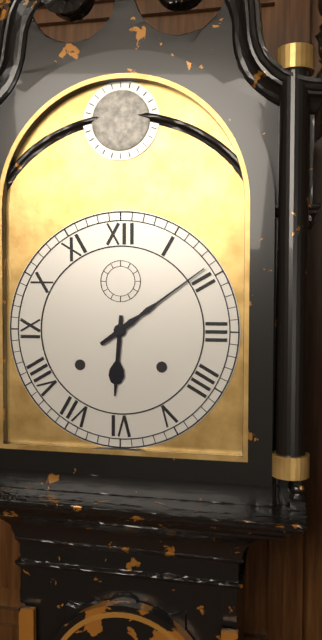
6:09
